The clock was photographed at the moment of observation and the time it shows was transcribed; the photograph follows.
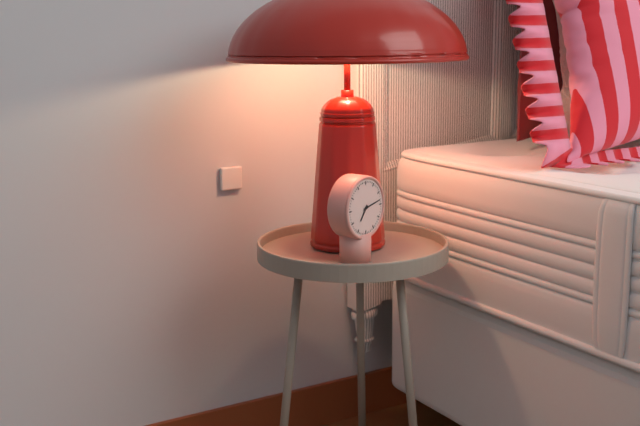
7:13
